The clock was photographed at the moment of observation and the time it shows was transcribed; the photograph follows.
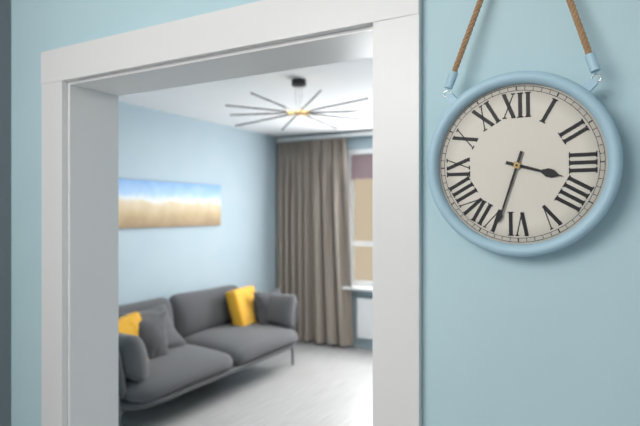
3:33
